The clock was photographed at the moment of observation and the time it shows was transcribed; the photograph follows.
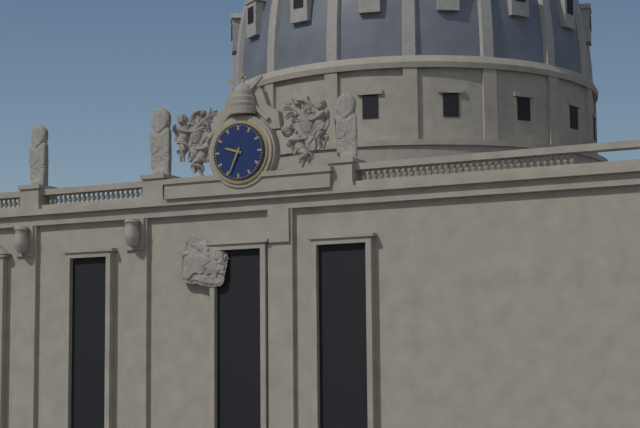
9:34
